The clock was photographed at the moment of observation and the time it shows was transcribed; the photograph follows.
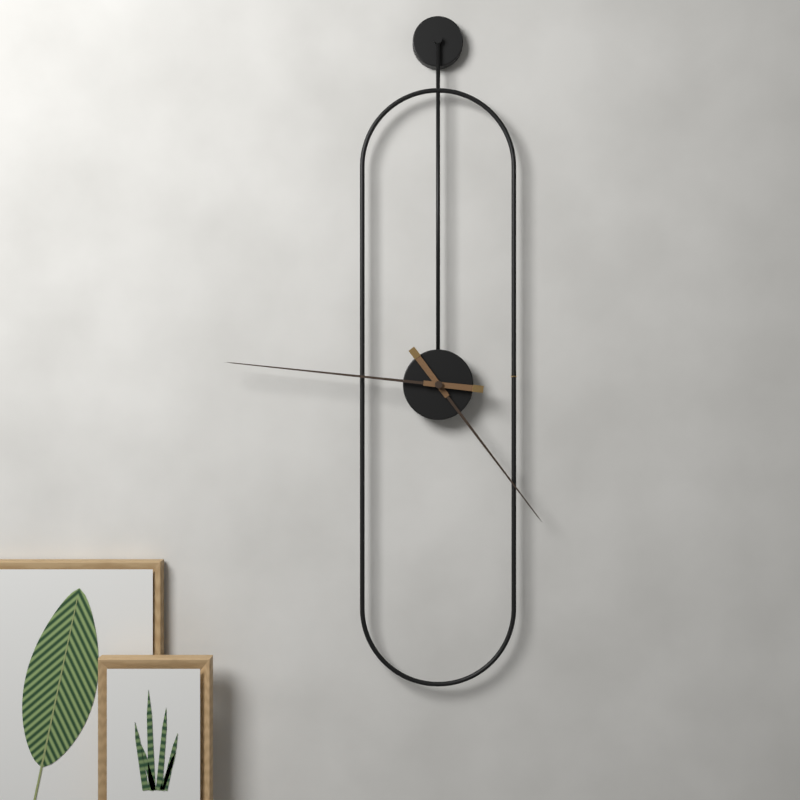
4:46
